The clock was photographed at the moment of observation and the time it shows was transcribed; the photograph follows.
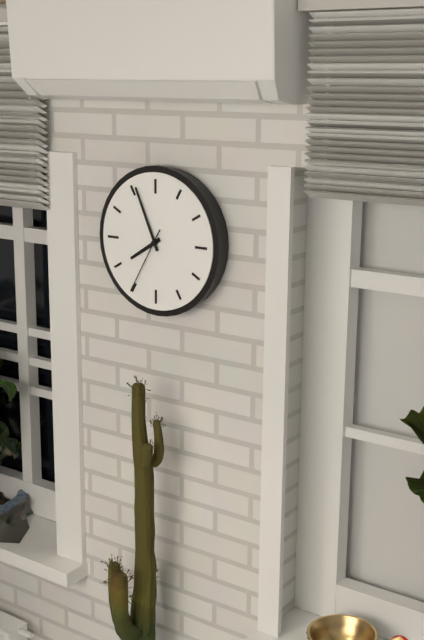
7:56:35
